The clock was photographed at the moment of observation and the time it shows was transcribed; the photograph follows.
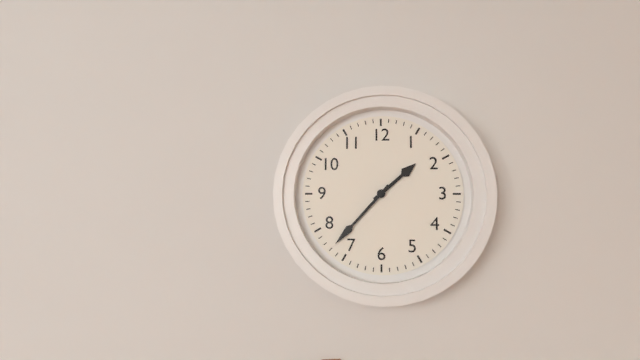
1:37
